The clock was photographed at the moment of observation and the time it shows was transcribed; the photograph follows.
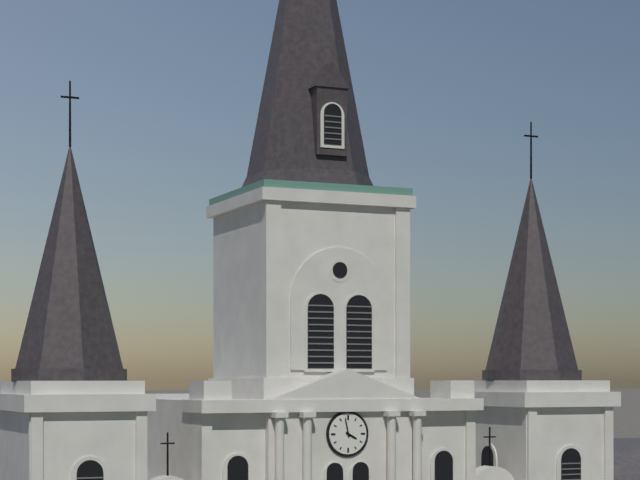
3:58
